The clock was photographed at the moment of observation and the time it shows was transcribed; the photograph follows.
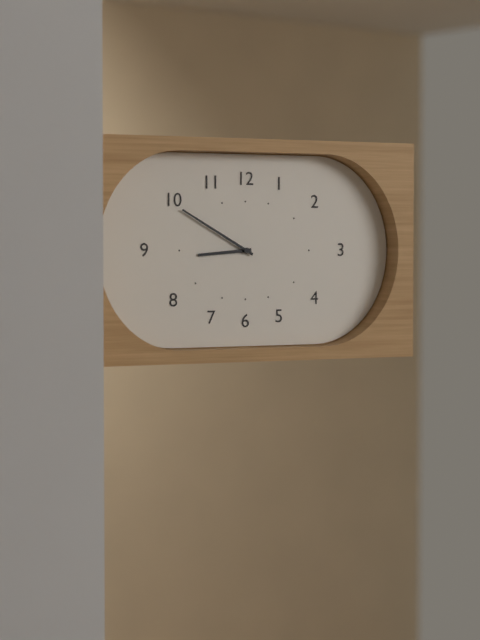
8:50
